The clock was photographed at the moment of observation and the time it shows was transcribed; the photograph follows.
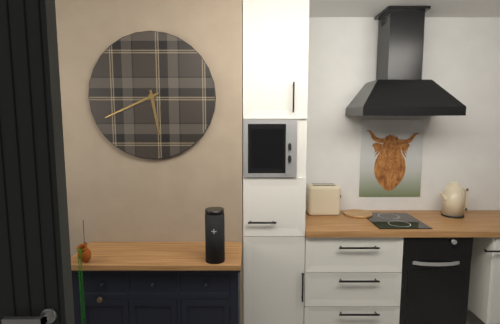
5:41
